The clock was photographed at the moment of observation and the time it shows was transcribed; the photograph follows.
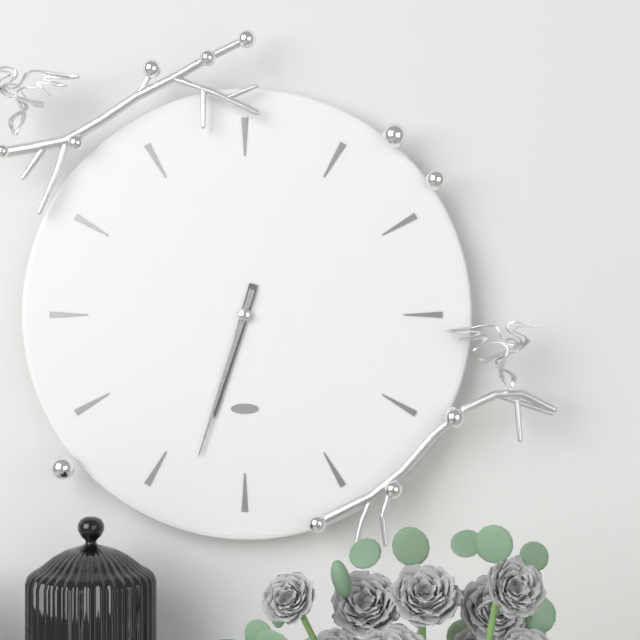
6:33
